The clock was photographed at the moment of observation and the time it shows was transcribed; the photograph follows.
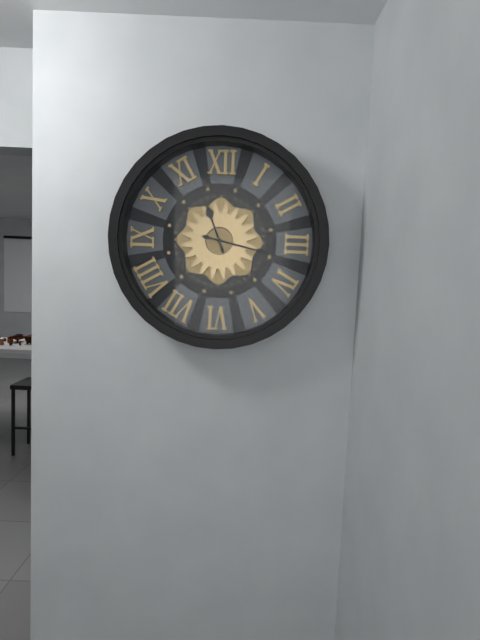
11:17
